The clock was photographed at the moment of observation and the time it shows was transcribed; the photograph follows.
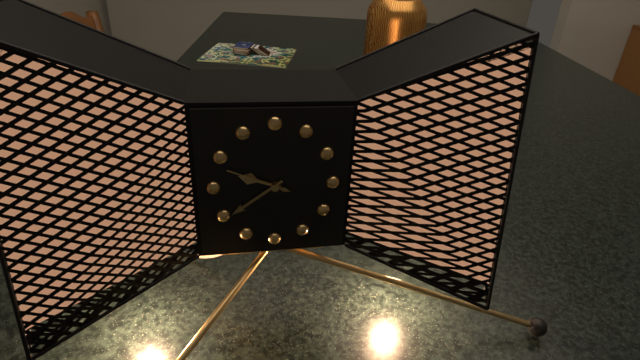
9:39:49
